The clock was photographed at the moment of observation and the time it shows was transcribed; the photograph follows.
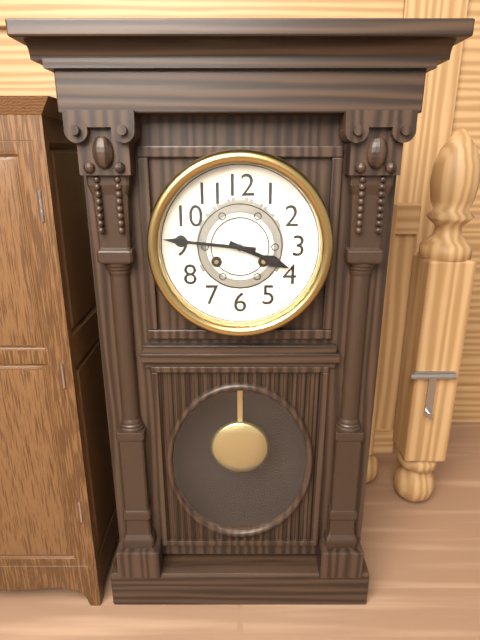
3:46
